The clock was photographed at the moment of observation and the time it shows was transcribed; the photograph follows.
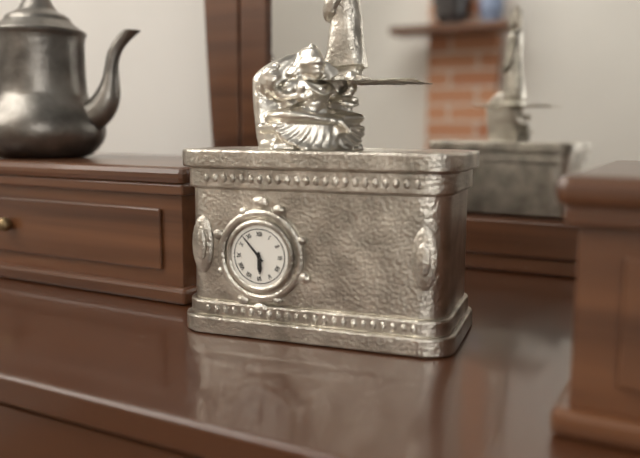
5:53
